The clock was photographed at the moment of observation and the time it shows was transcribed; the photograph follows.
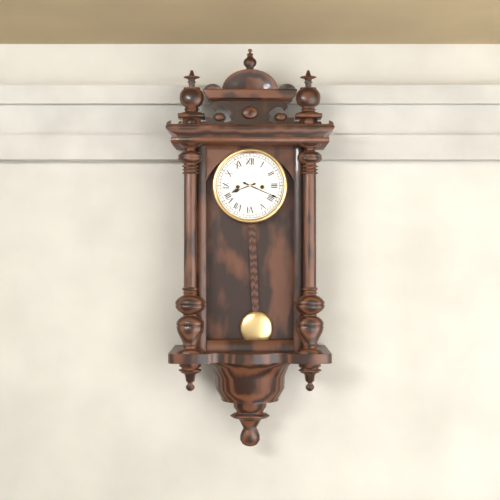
8:19
